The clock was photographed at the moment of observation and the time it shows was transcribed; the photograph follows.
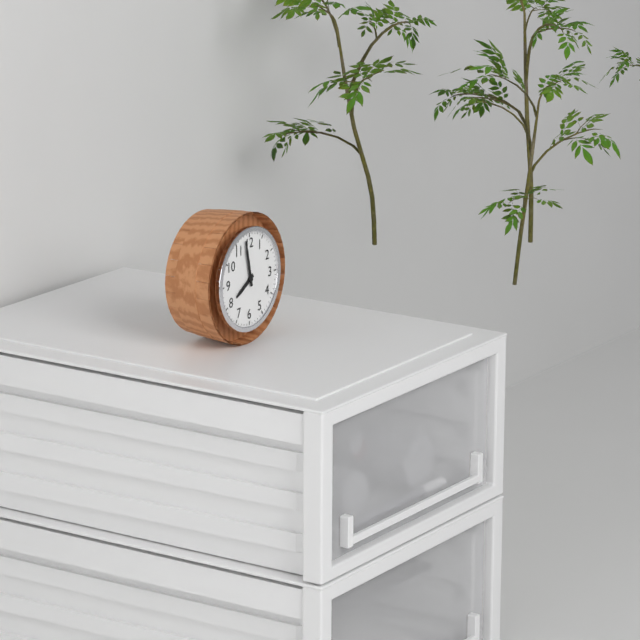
7:58
